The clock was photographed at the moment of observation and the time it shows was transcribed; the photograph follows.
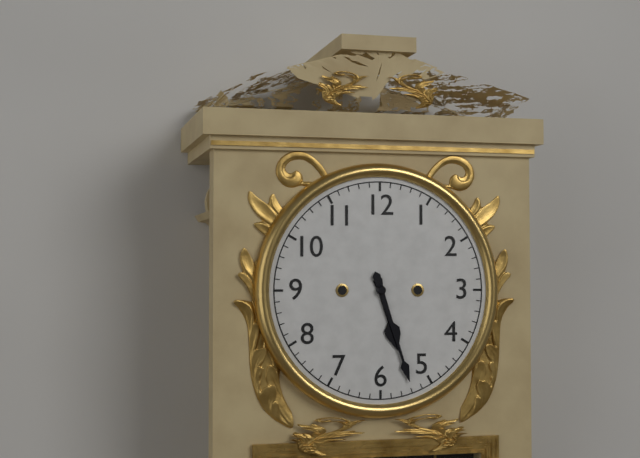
5:27
